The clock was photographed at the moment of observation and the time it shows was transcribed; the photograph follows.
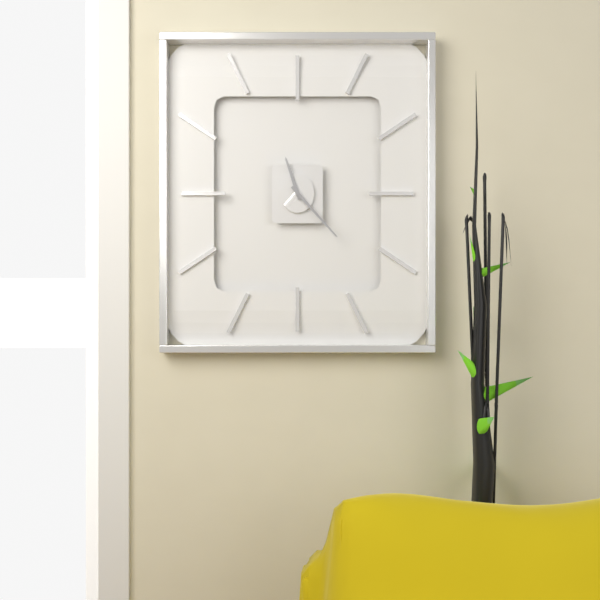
11:23
